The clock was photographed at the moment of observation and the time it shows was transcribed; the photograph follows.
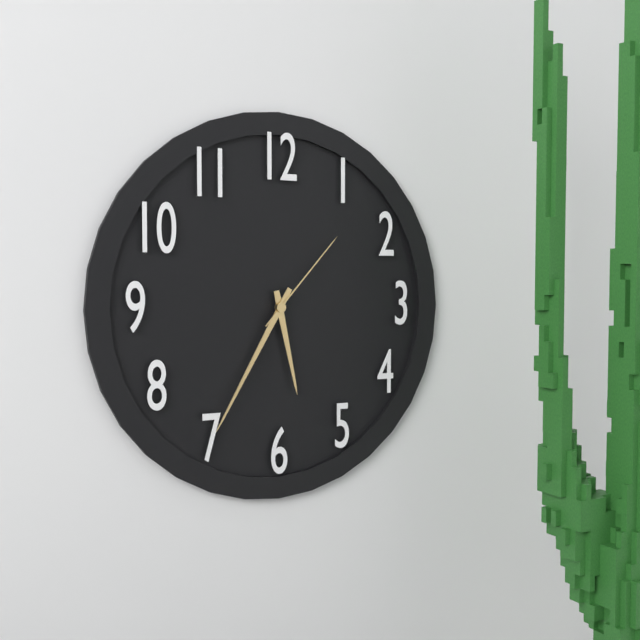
5:35:07
